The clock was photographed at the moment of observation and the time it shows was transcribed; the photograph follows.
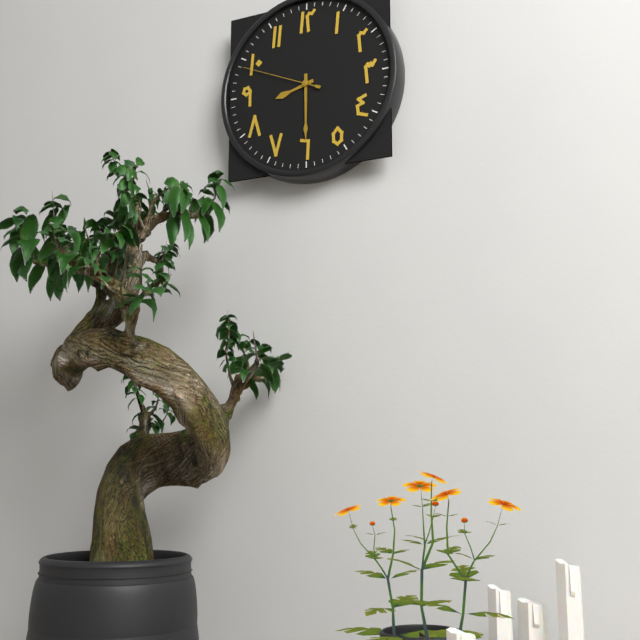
8:30:49
